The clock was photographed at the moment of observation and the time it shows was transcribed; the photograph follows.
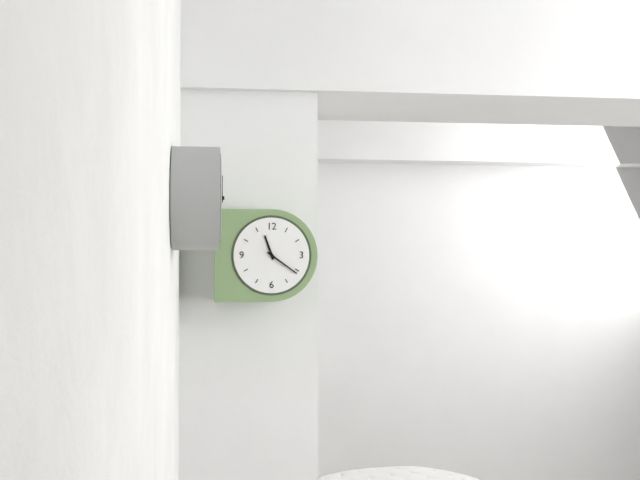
11:21
